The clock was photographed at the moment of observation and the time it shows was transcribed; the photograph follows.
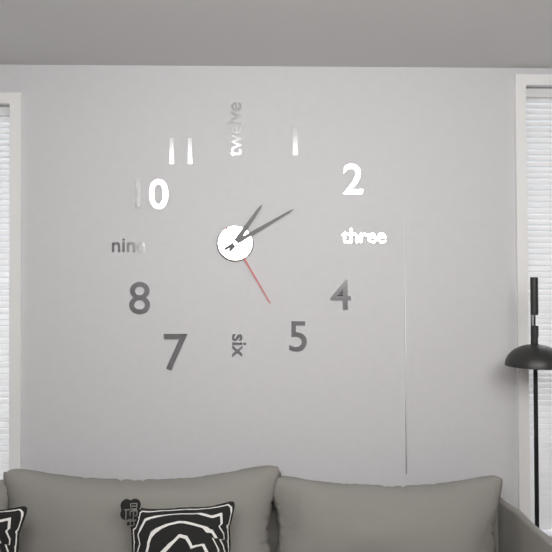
1:10:25
